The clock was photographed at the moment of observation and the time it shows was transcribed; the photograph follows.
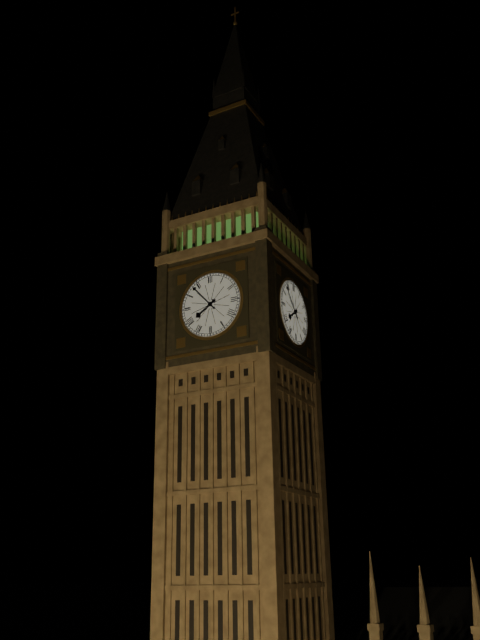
7:53
